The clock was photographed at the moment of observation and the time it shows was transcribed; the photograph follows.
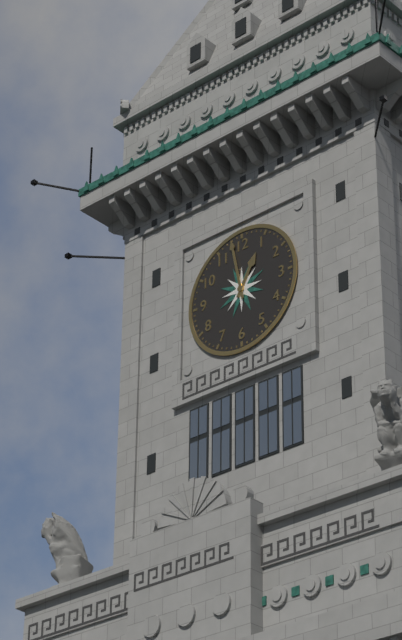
12:58
